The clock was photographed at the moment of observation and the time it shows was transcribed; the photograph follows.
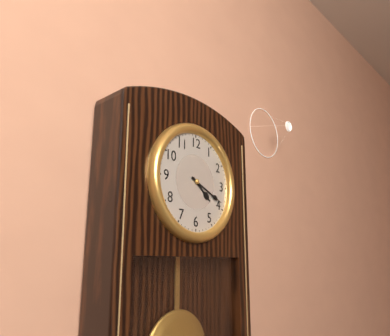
4:19
